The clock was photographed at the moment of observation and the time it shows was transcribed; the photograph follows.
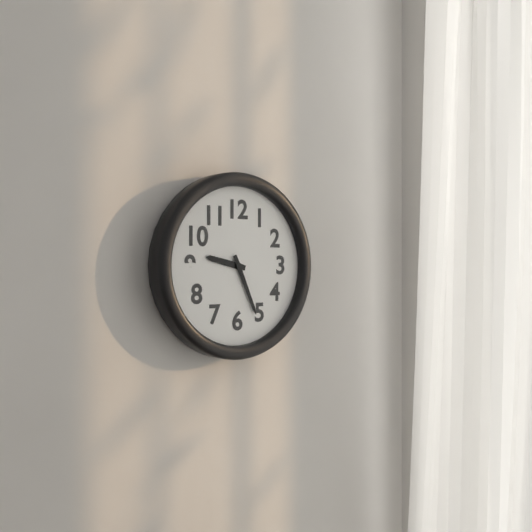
9:26
